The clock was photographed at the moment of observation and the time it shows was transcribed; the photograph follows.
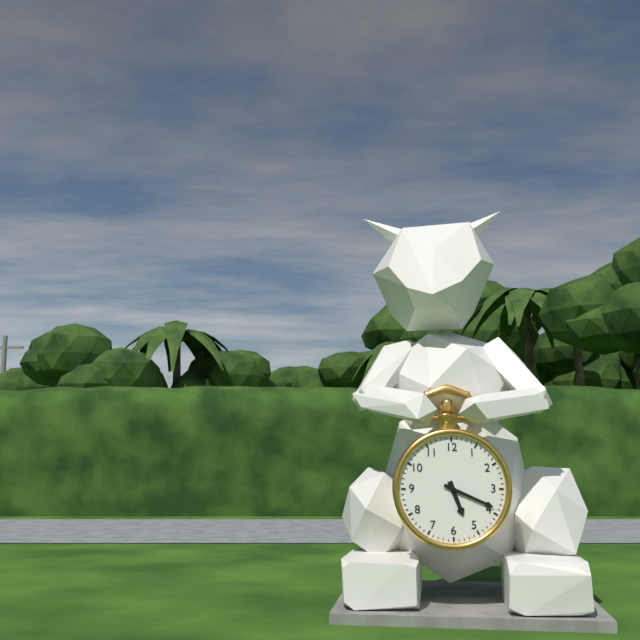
5:19
